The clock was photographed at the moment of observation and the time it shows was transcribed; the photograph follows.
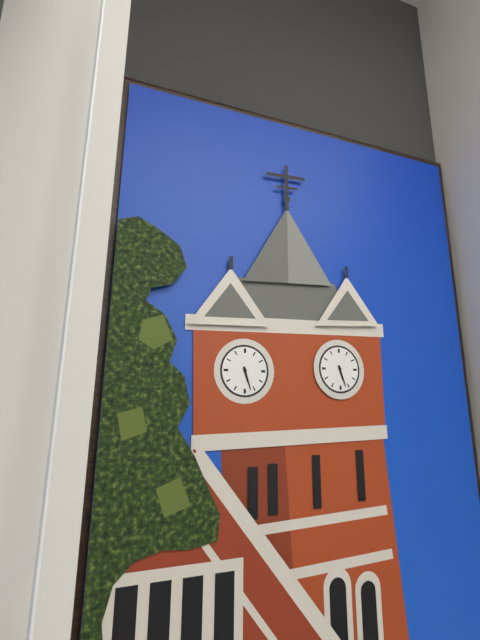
5:27
